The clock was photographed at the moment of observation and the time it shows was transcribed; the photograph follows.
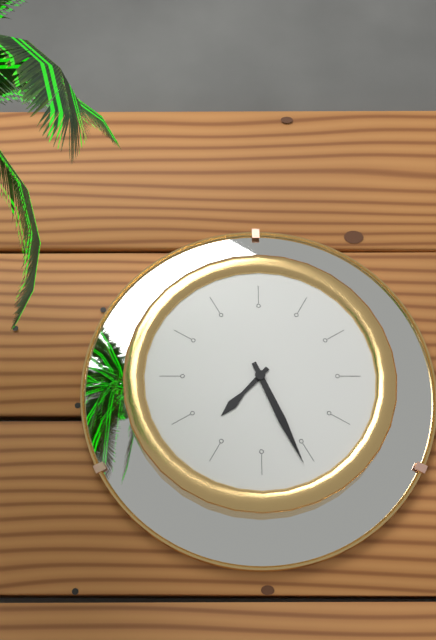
7:26
